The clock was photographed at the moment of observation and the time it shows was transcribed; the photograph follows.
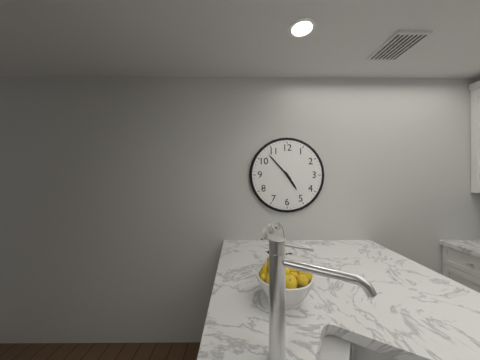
4:53
